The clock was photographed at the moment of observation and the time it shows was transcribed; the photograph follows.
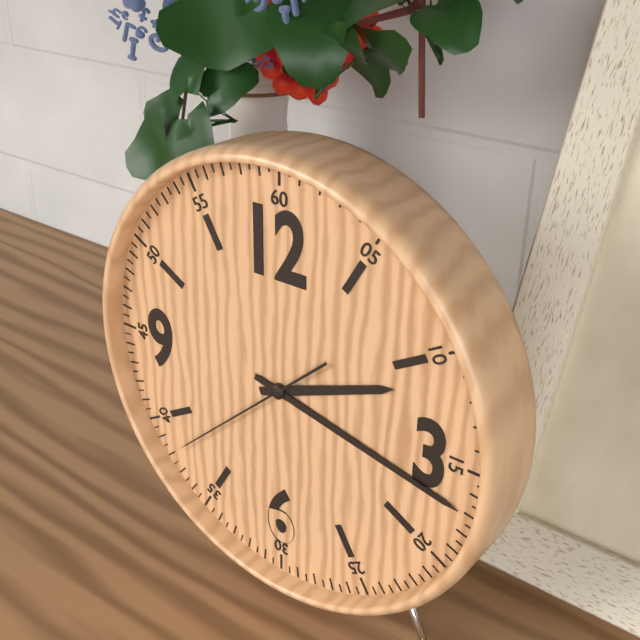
2:17:38
